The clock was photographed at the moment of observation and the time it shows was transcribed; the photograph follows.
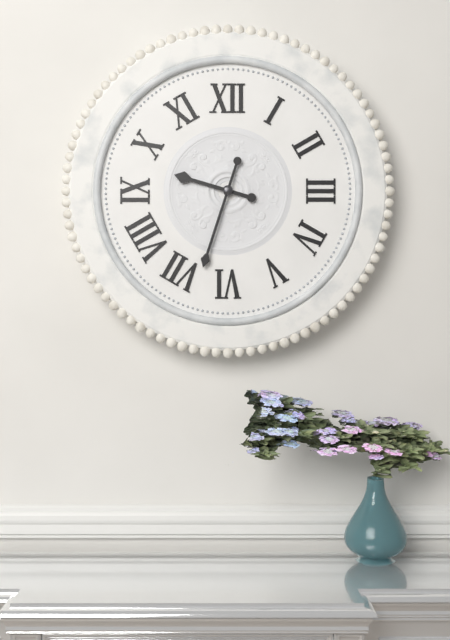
9:33
